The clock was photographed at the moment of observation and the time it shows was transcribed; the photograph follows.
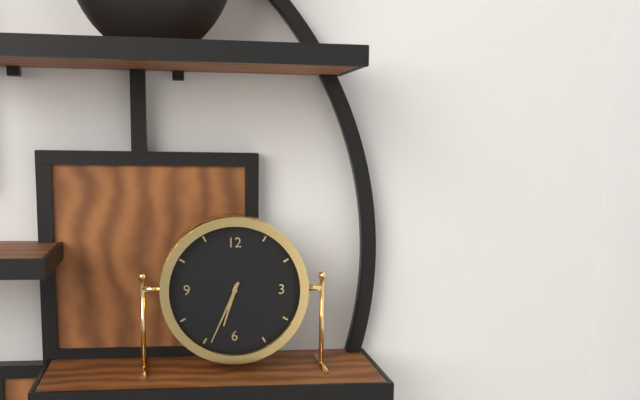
6:34
